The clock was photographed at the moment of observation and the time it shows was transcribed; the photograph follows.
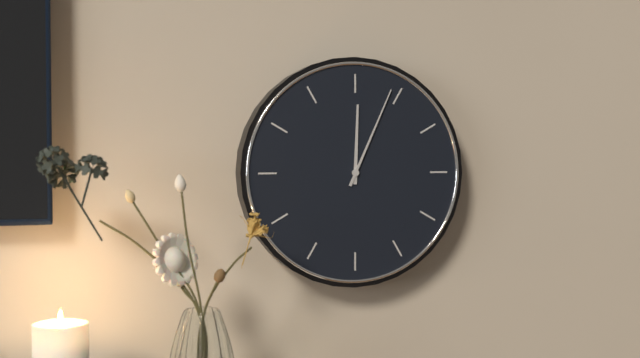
12:04
